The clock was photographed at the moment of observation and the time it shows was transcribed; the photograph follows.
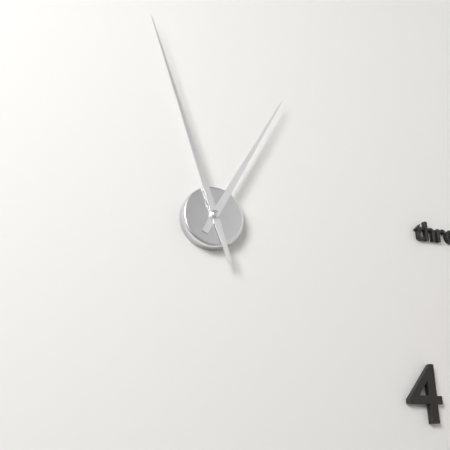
12:57
